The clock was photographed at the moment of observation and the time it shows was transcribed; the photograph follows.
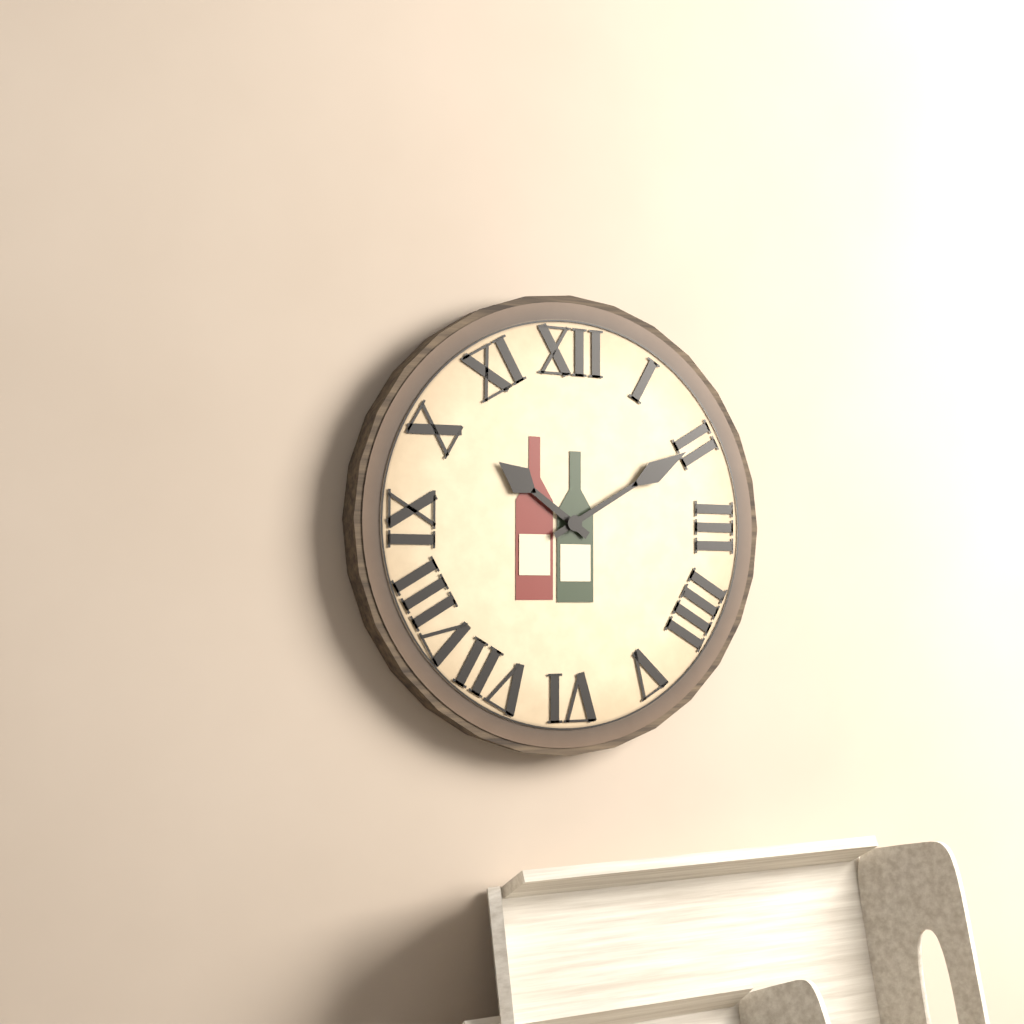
10:10
